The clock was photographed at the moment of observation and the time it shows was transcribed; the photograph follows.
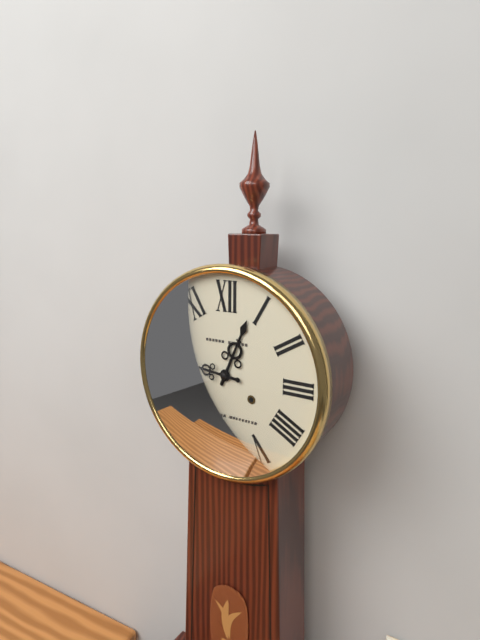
12:46
